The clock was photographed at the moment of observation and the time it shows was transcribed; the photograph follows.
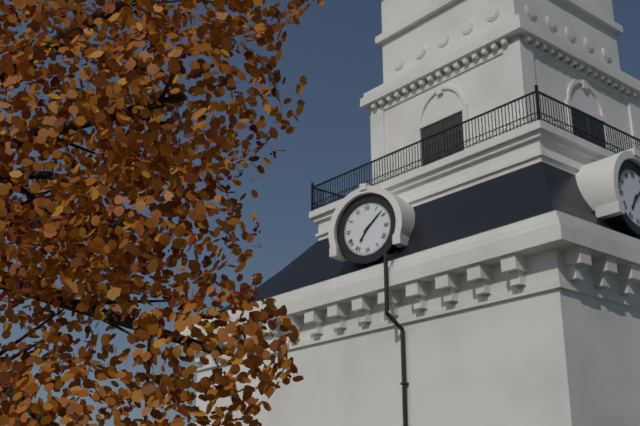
7:08
